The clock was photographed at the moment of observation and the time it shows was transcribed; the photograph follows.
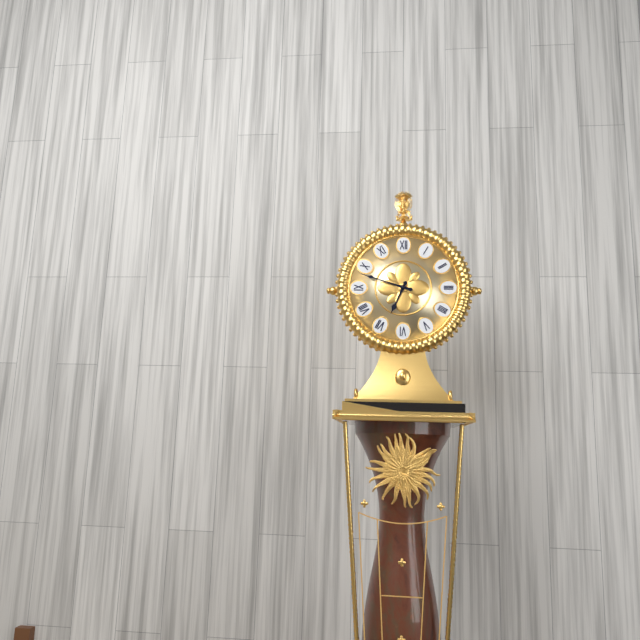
6:48
